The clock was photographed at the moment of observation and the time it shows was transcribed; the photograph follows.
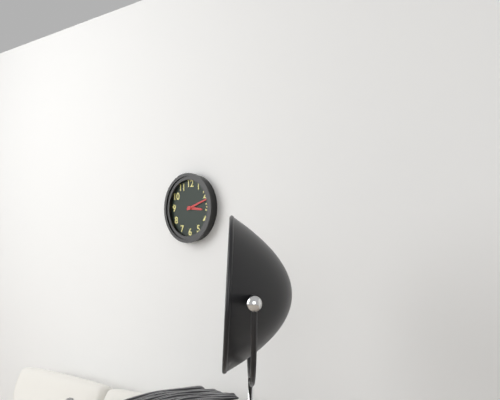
3:12
